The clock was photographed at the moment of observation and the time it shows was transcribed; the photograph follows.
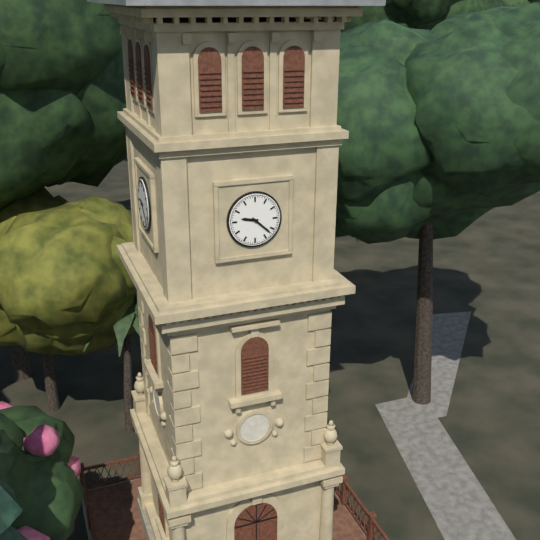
9:22
